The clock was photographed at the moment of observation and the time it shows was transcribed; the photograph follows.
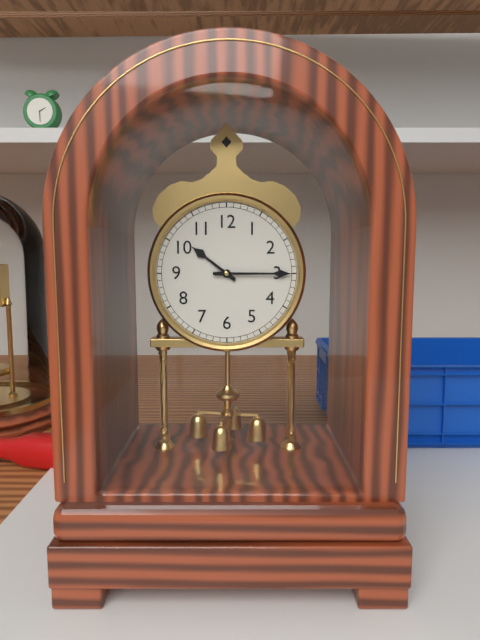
10:15
